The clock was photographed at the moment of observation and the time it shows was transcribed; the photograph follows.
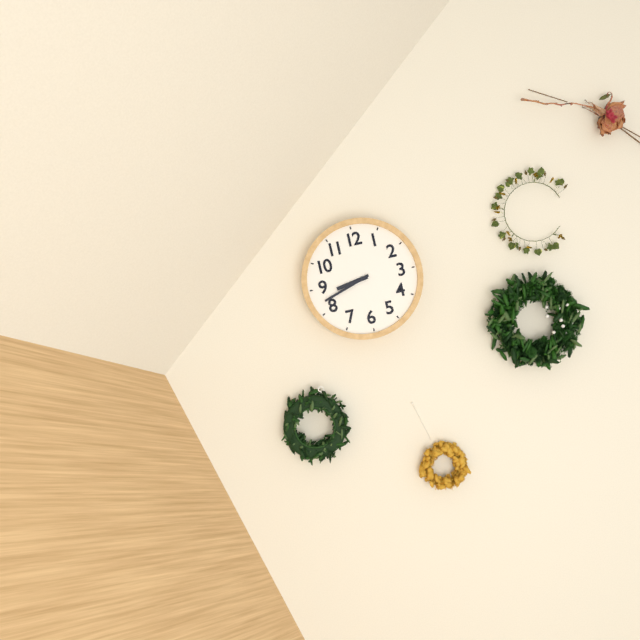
8:42
